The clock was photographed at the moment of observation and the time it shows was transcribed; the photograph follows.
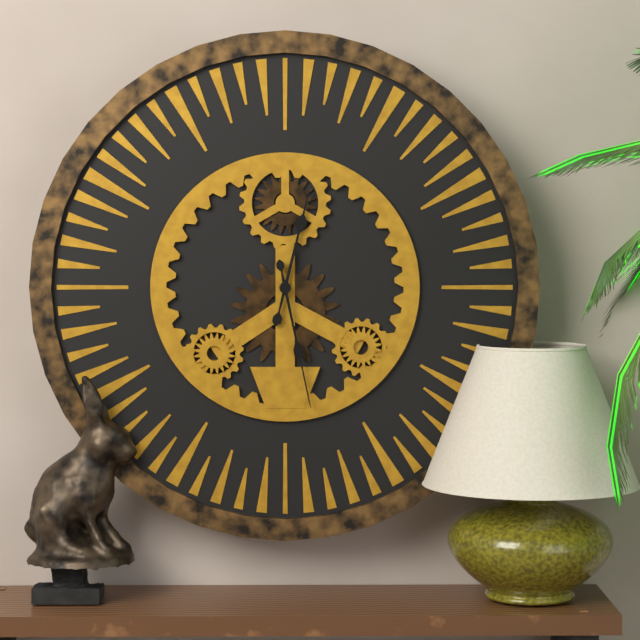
12:28
